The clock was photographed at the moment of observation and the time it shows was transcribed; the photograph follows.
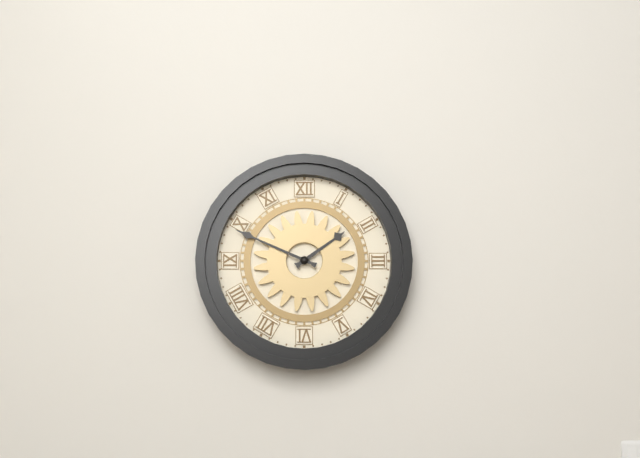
1:49
